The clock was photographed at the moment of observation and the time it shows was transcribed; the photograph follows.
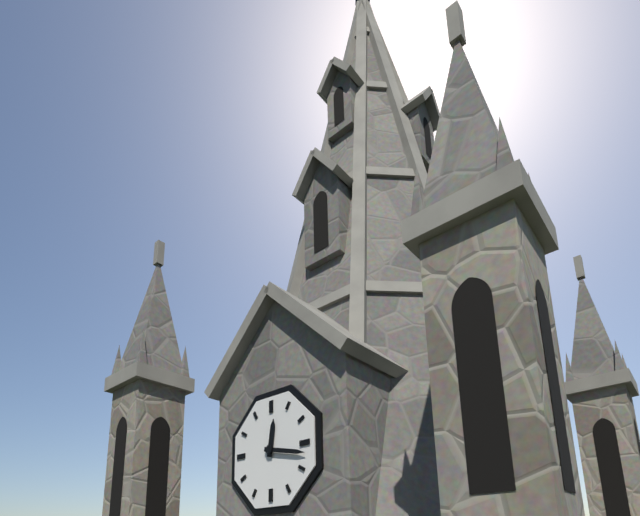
12:17
